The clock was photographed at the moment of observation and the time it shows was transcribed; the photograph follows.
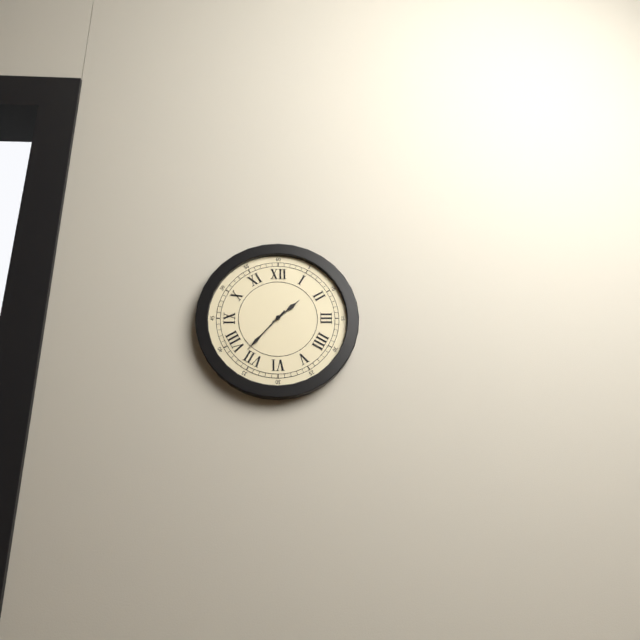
1:37
